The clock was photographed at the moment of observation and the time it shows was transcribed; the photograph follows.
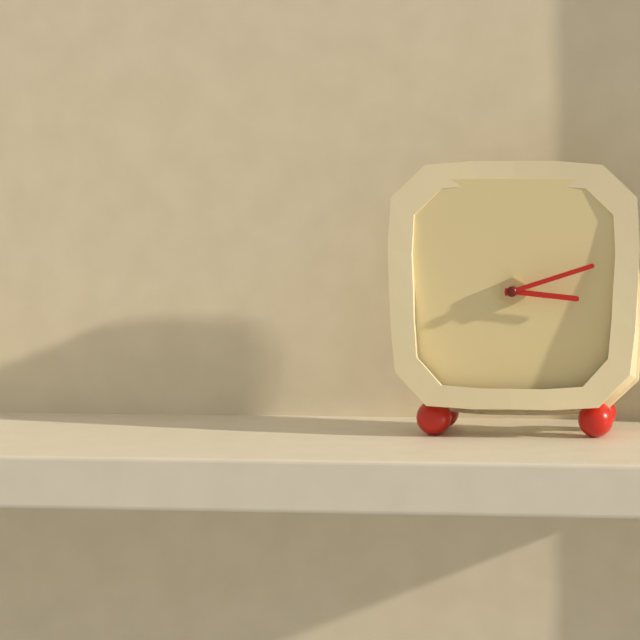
3:12
